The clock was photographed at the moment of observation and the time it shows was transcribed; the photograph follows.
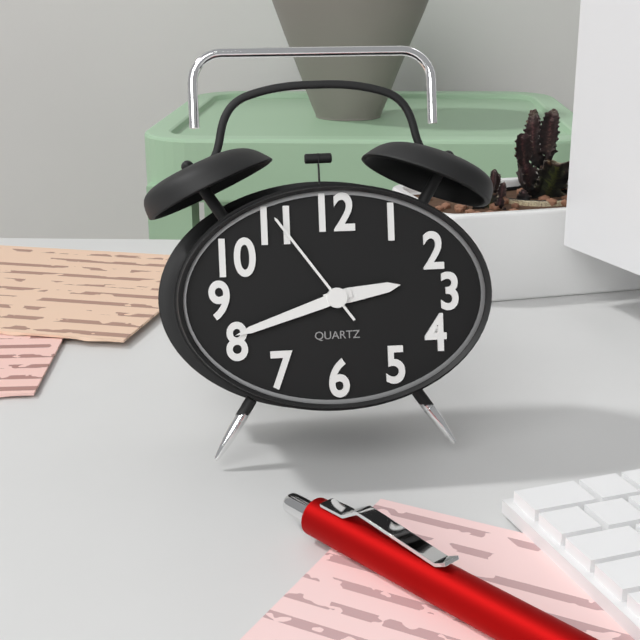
2:42:54
